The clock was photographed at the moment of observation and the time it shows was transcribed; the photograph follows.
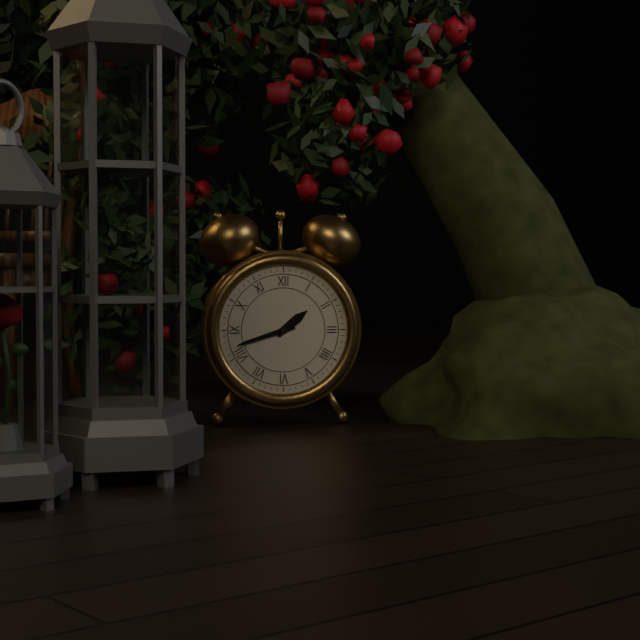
1:42
